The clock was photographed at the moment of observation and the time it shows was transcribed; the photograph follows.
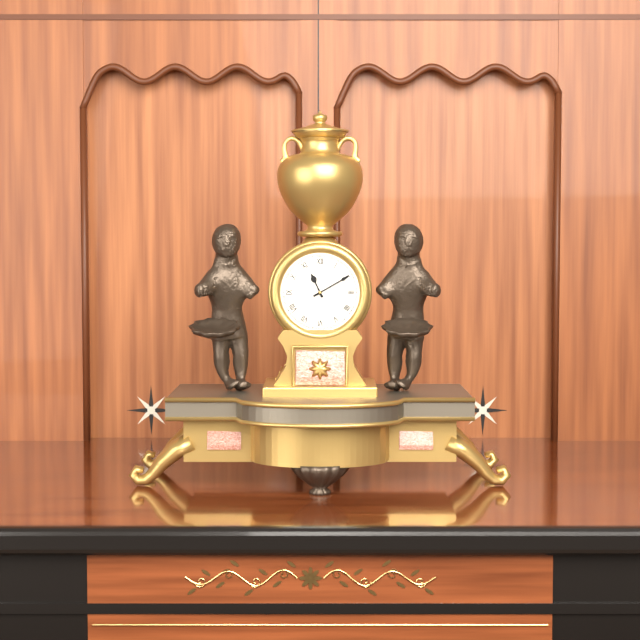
11:10
